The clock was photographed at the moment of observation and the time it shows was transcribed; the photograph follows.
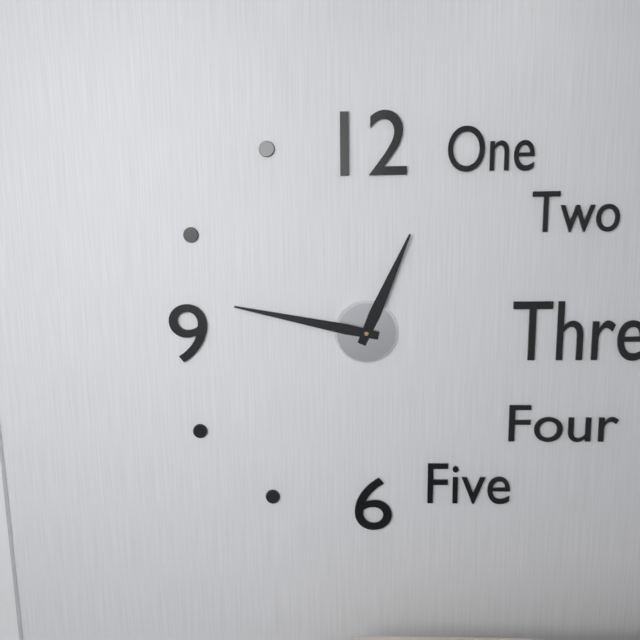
12:47
